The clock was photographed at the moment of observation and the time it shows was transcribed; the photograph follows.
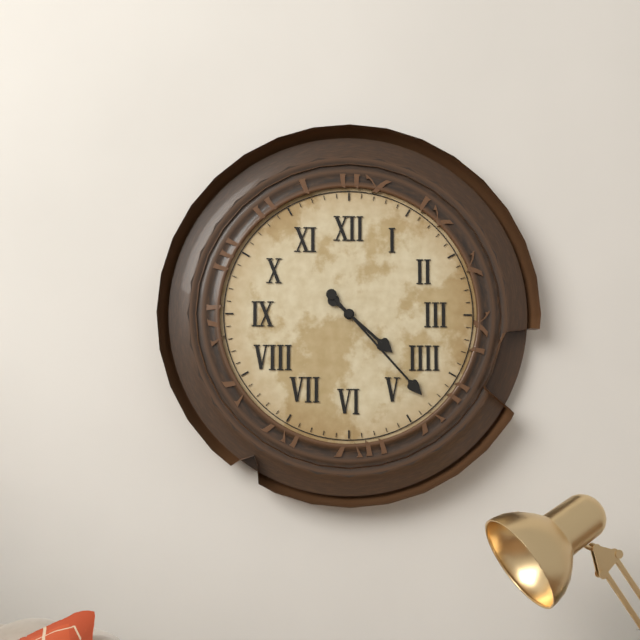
4:23
